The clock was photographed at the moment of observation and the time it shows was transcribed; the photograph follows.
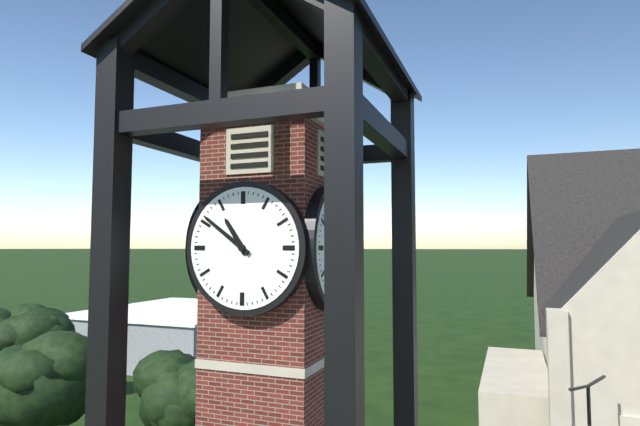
10:51
